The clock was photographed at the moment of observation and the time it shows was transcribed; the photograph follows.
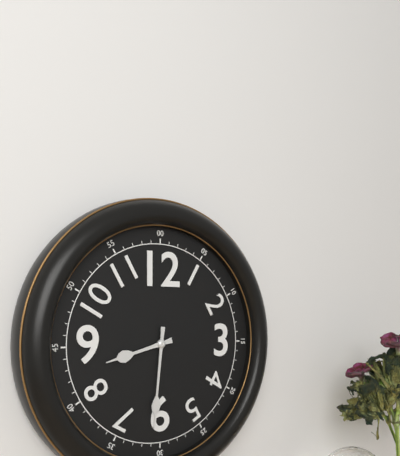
8:31
